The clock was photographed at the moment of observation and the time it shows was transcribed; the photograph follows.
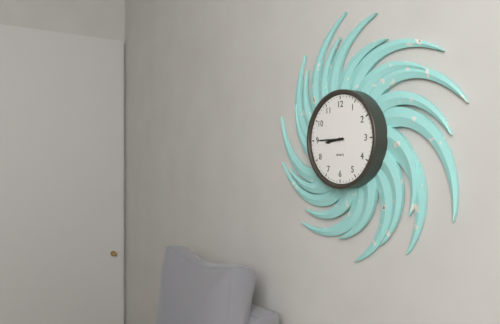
8:45
